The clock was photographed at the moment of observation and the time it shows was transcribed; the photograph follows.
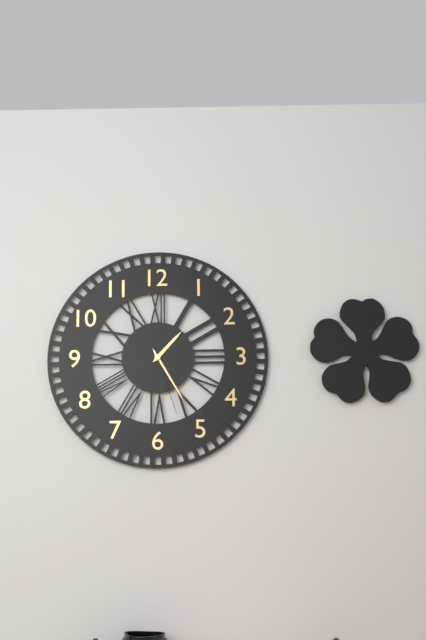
1:25:27
